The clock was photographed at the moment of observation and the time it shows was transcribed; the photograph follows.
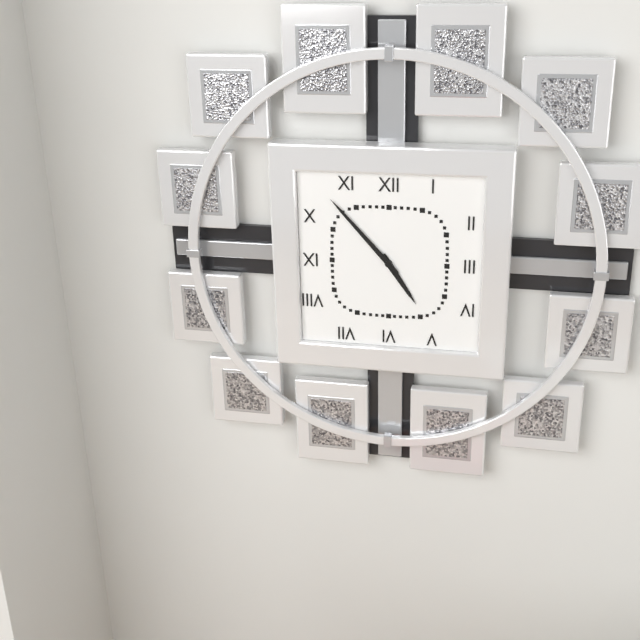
4:53
